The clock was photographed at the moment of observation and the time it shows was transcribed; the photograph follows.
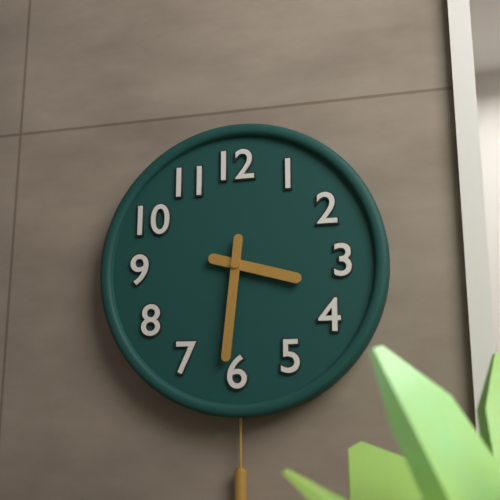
3:31
